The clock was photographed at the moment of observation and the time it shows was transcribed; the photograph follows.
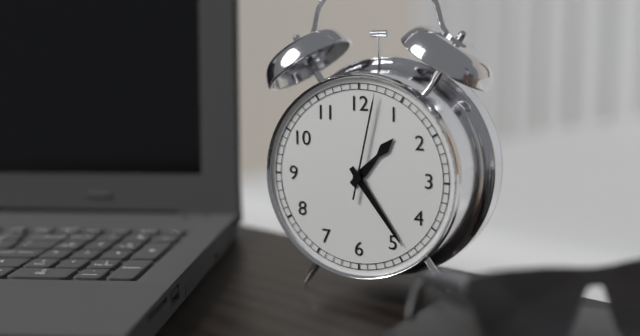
1:24:02
